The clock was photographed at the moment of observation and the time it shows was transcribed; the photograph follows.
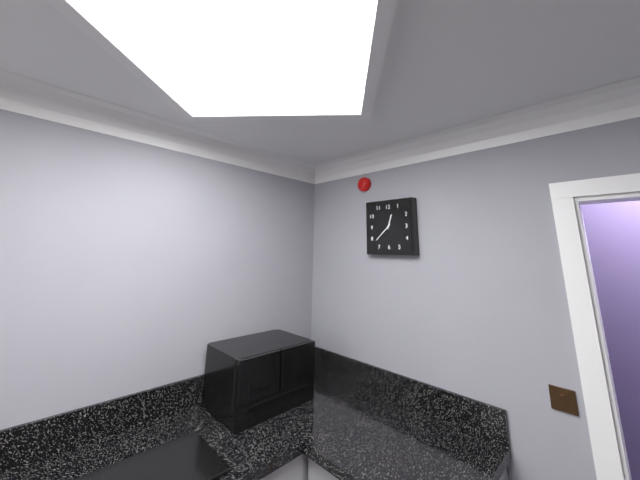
12:38
